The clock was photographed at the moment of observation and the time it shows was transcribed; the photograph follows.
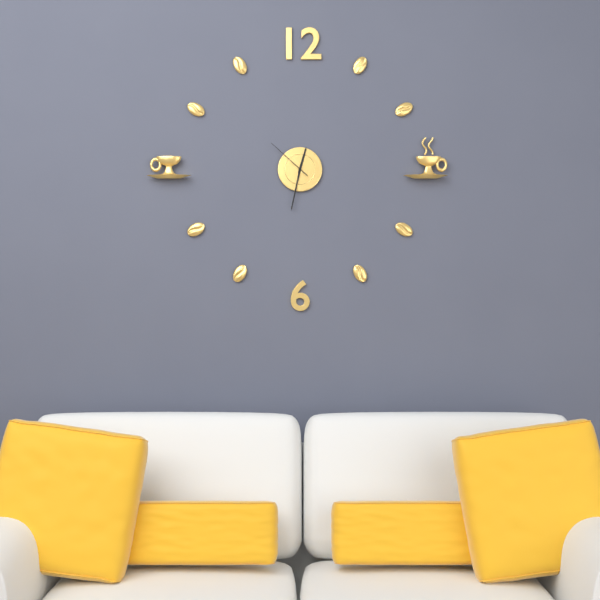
12:32
